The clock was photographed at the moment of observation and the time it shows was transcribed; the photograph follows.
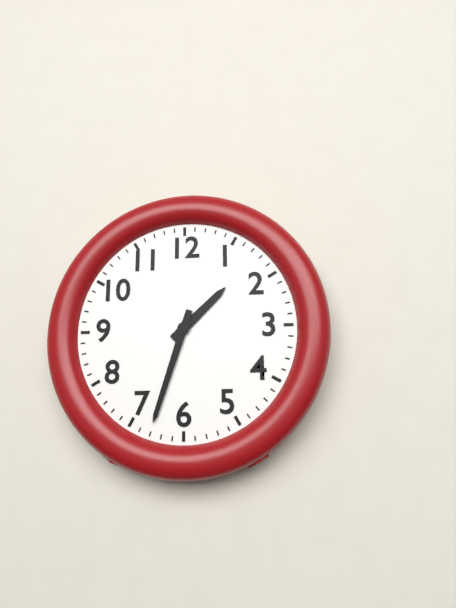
1:33
